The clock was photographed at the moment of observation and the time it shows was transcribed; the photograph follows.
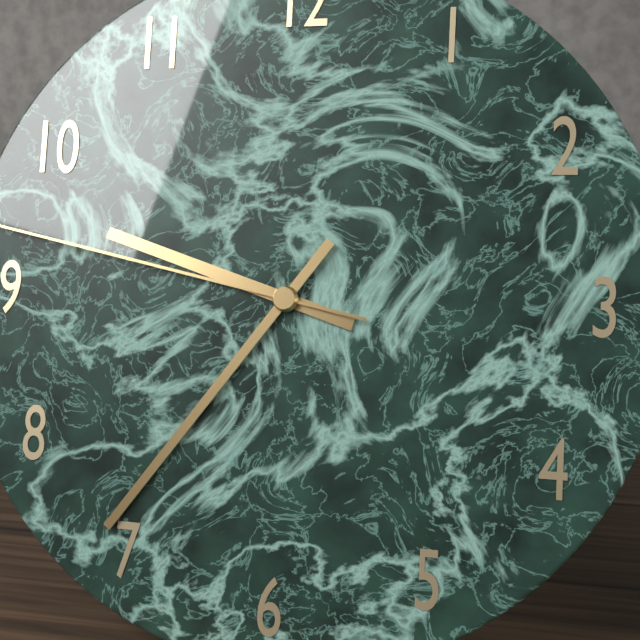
9:36
